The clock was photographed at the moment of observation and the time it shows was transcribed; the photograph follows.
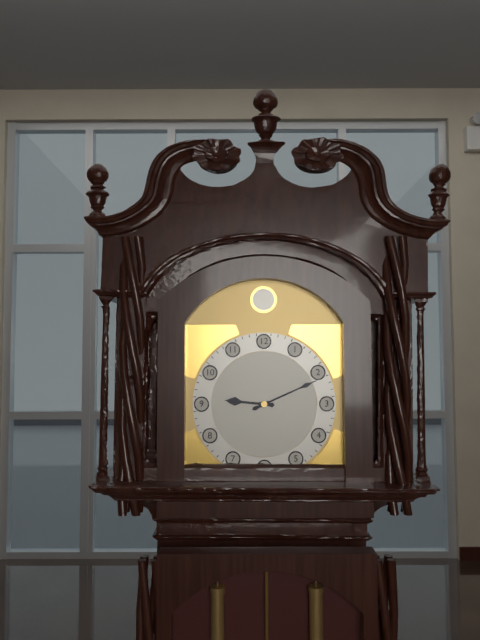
9:11
